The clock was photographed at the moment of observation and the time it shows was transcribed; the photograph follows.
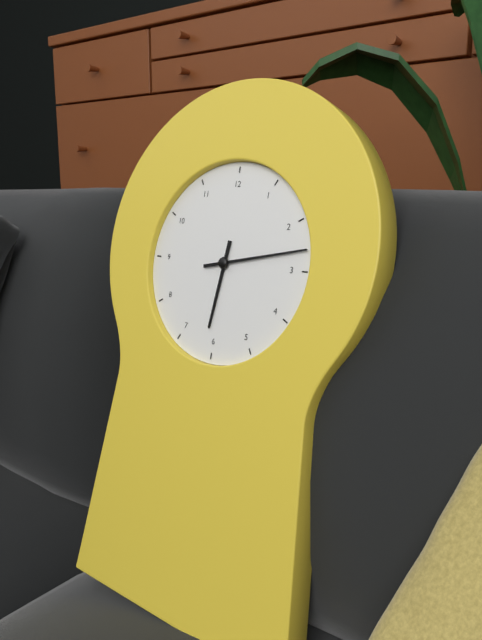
6:13
